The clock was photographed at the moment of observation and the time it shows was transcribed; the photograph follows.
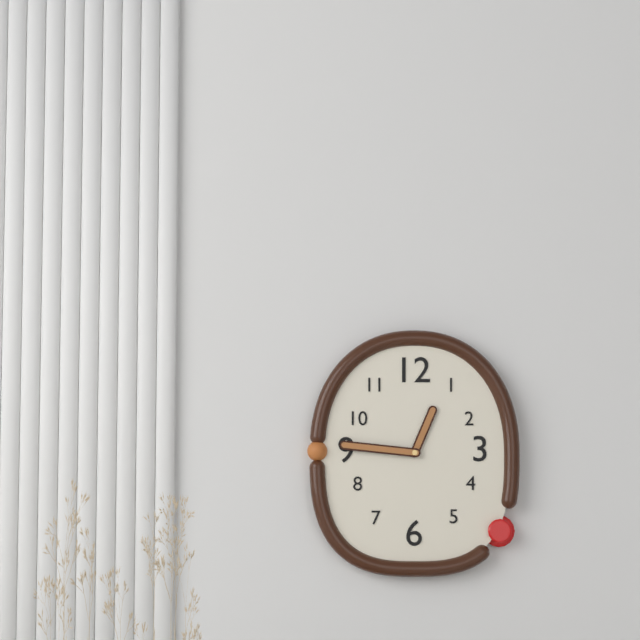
12:46
